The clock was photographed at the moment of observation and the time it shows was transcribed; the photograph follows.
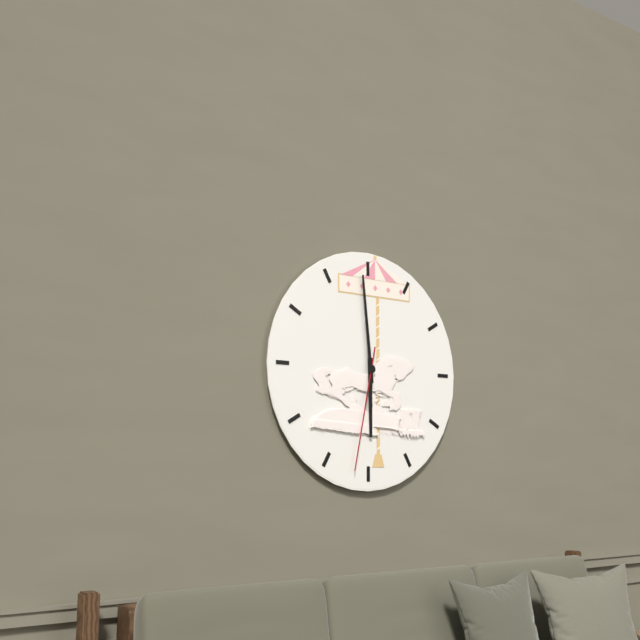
5:59:32
